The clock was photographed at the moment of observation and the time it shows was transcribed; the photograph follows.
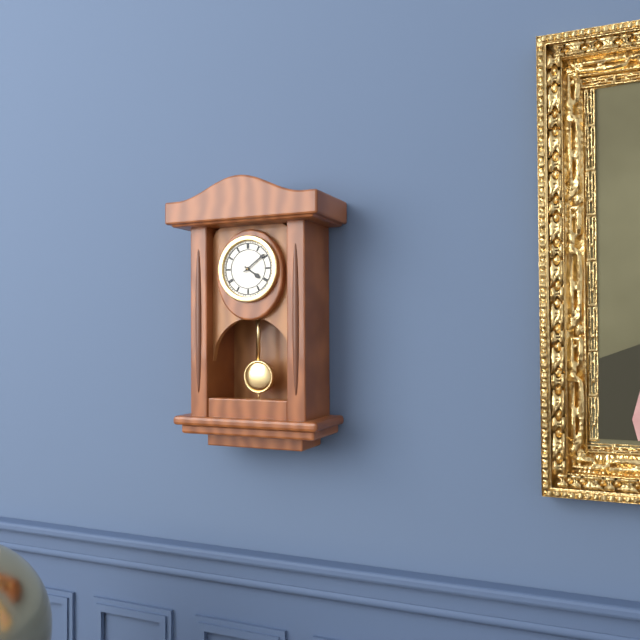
4:09
